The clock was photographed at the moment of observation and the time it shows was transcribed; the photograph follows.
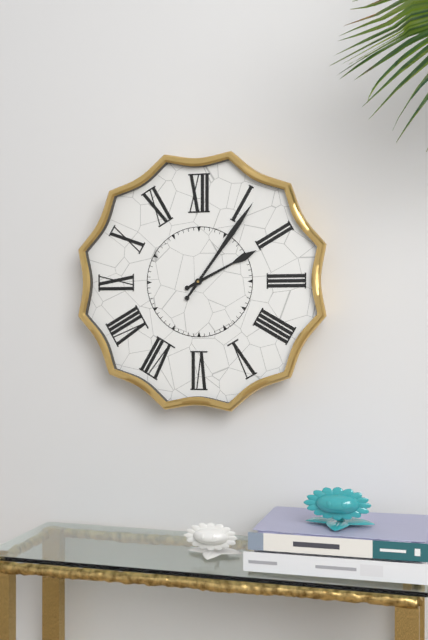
2:06
